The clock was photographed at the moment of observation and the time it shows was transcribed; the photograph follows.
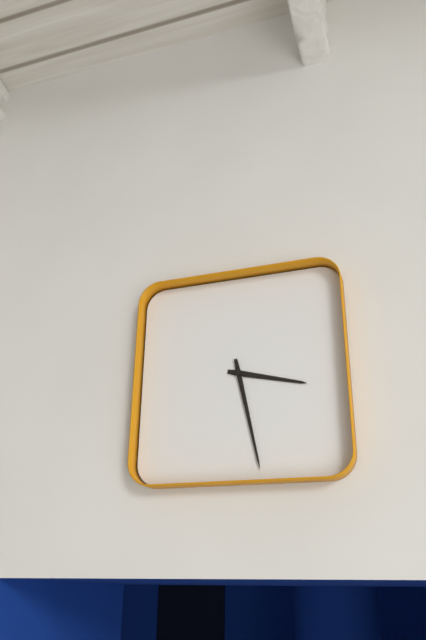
3:28
